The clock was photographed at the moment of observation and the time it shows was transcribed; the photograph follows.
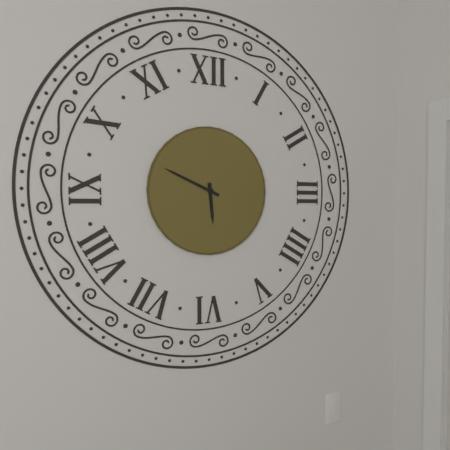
5:49
